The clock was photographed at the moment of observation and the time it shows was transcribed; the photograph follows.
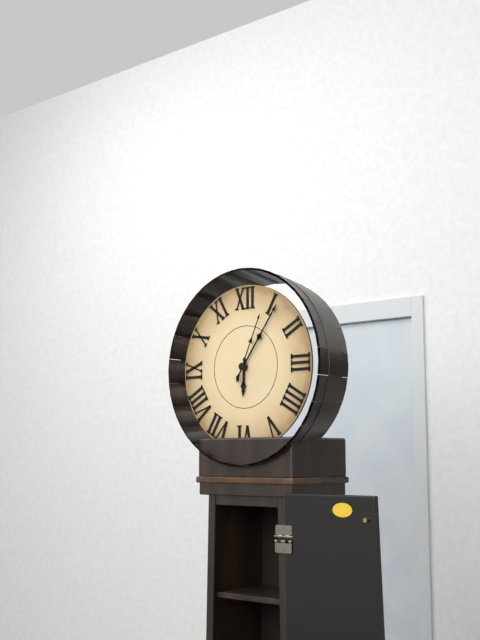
6:06:04
